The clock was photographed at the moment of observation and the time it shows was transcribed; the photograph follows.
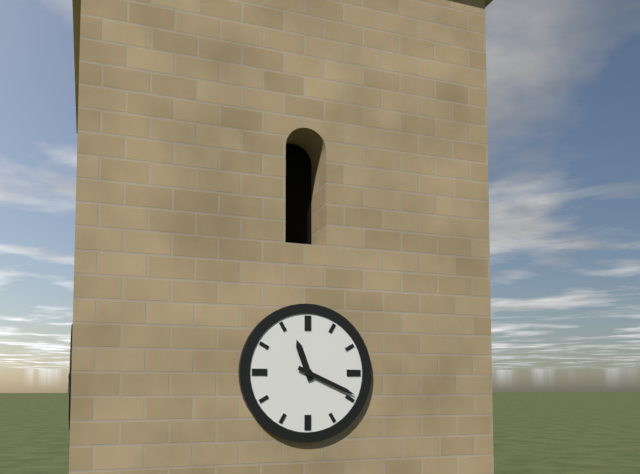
11:19
